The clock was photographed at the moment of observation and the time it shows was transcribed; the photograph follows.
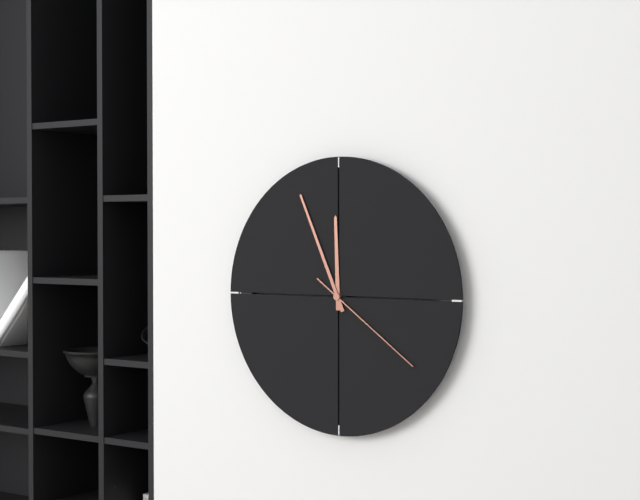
11:56:21
